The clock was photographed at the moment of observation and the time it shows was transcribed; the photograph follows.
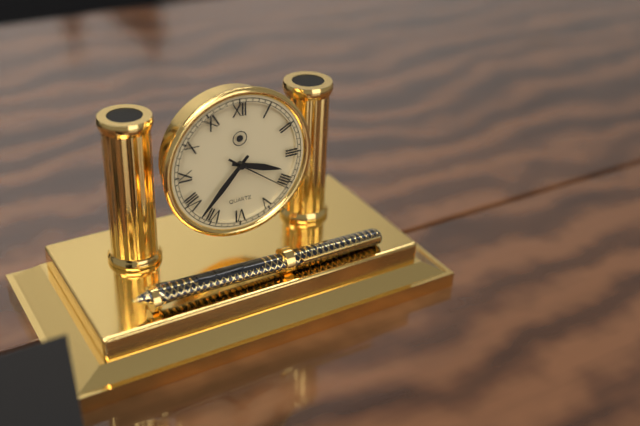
3:37:21
